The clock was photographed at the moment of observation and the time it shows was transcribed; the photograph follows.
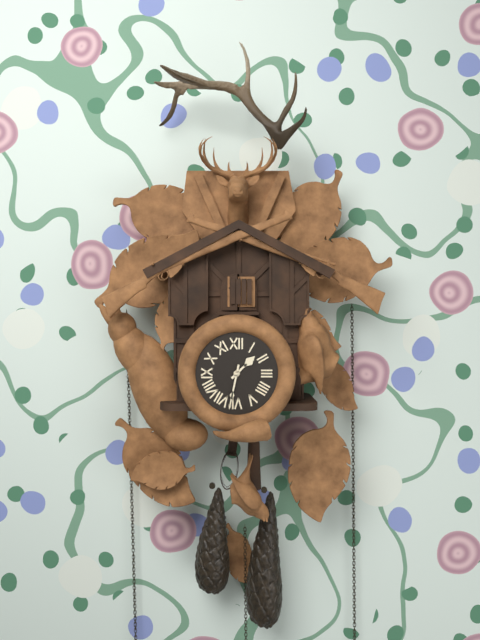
1:32
